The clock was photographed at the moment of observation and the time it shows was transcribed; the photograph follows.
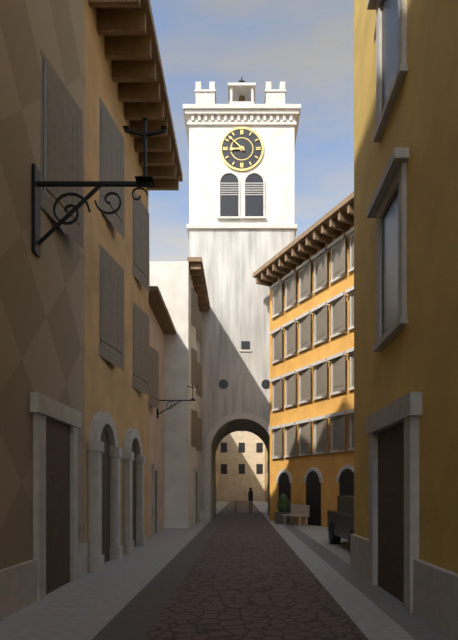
8:52
